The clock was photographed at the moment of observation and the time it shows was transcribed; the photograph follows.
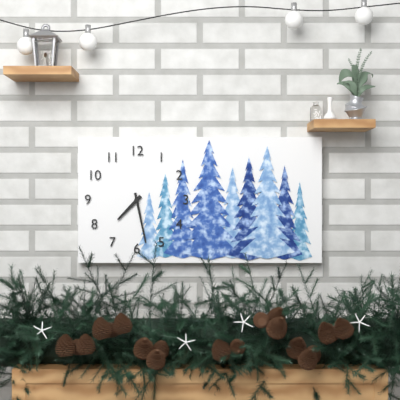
7:28
